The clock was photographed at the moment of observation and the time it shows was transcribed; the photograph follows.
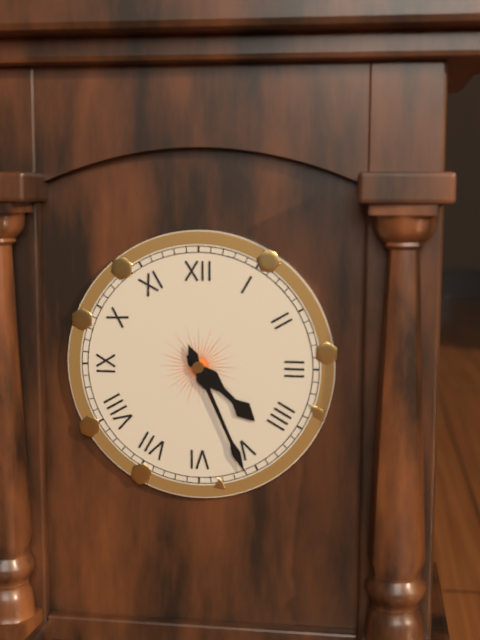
4:26
